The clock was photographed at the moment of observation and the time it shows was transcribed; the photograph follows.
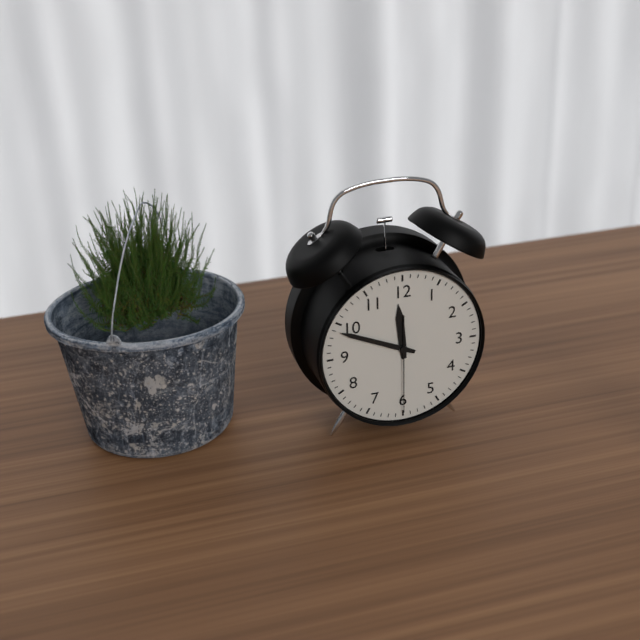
11:49:30
